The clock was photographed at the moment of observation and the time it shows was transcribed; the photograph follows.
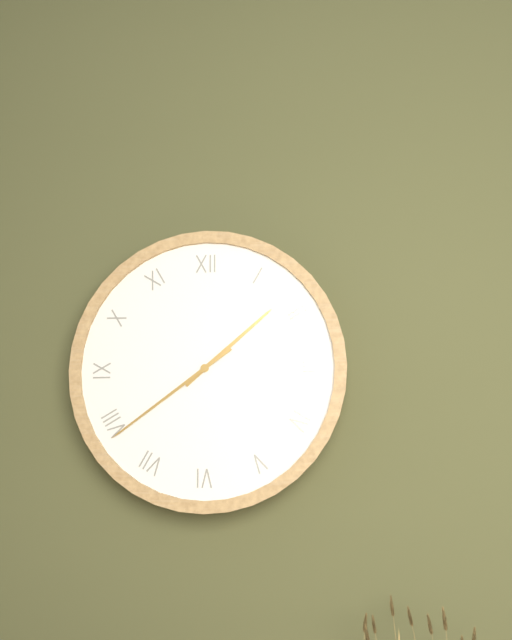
1:39
